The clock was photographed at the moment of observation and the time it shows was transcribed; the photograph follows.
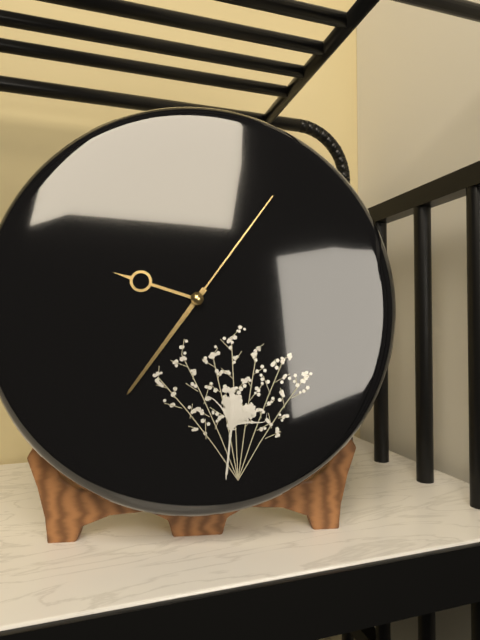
9:36:06
